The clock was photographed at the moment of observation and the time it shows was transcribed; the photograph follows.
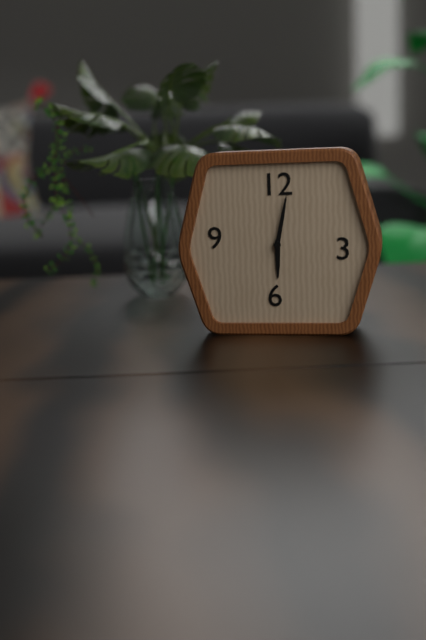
6:02
